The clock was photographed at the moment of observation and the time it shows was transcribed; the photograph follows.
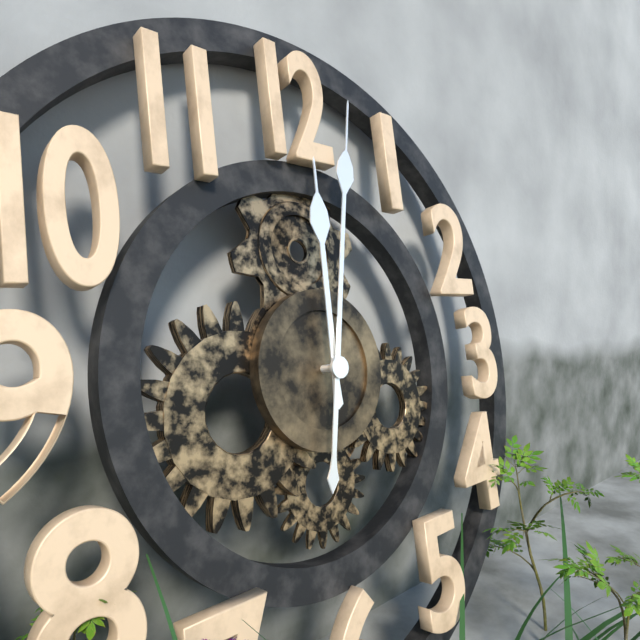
12:02
